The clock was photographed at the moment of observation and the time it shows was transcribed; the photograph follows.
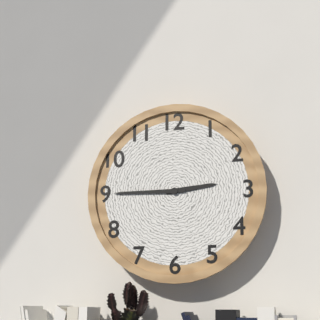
2:45
